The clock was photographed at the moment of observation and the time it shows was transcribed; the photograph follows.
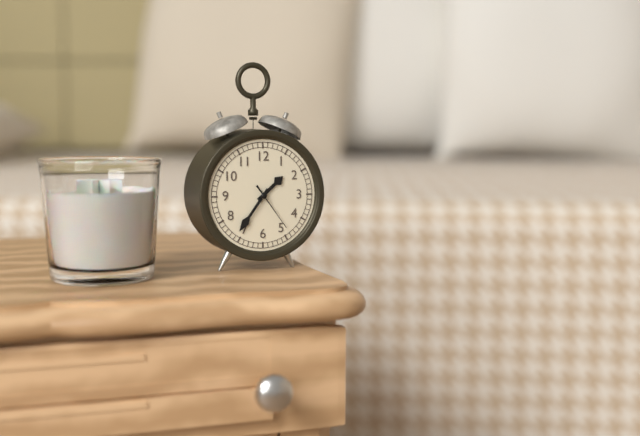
1:36
